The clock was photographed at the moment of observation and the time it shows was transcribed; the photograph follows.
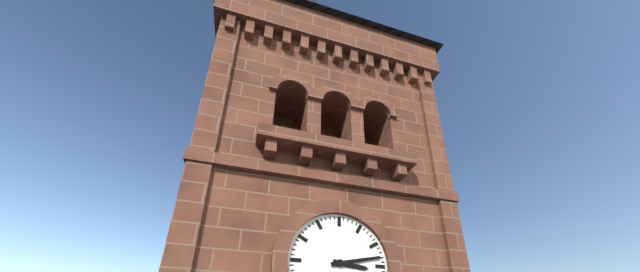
3:13
